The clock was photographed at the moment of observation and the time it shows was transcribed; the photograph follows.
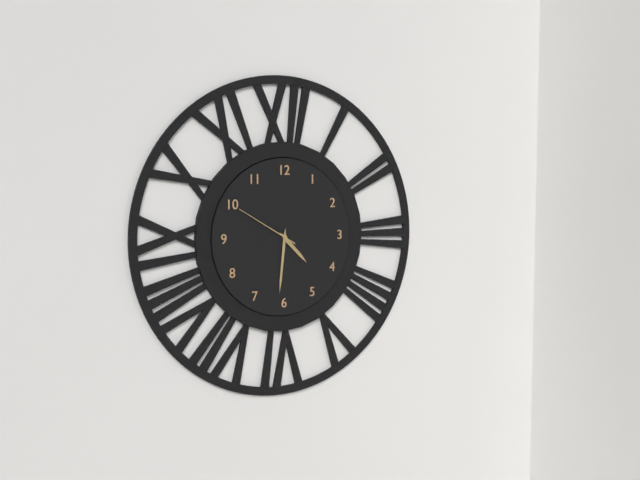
4:31:50
